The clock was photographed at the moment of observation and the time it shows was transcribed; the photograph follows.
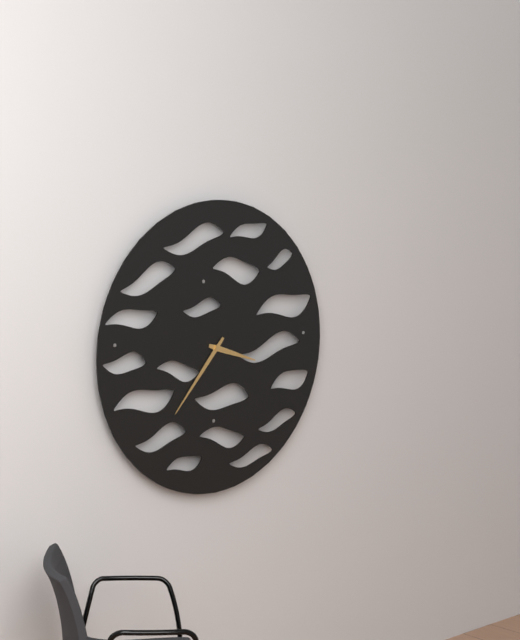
3:37
